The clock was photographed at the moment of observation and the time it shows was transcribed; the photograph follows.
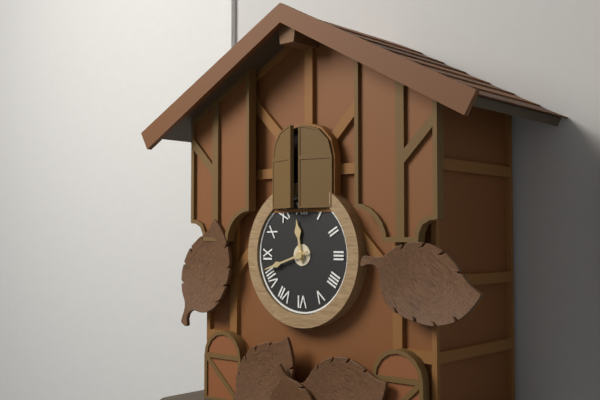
11:42
